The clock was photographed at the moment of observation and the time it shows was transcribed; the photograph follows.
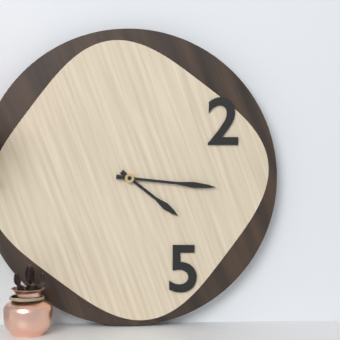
4:16
